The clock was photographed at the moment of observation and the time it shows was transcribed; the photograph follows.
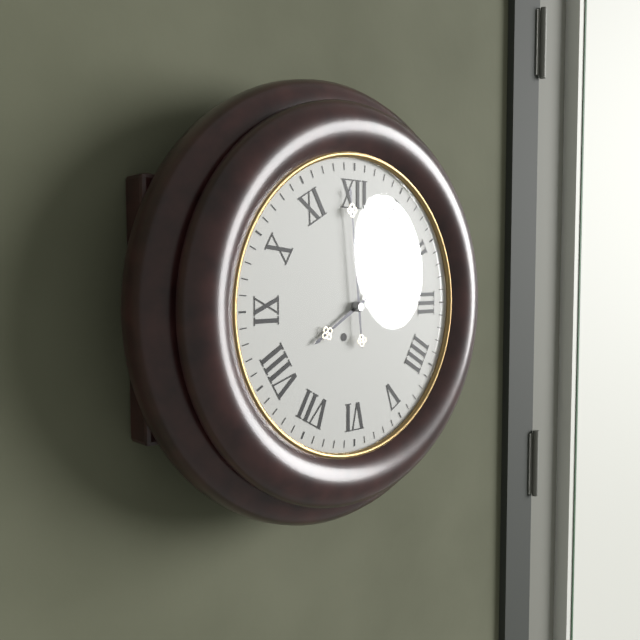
7:59
